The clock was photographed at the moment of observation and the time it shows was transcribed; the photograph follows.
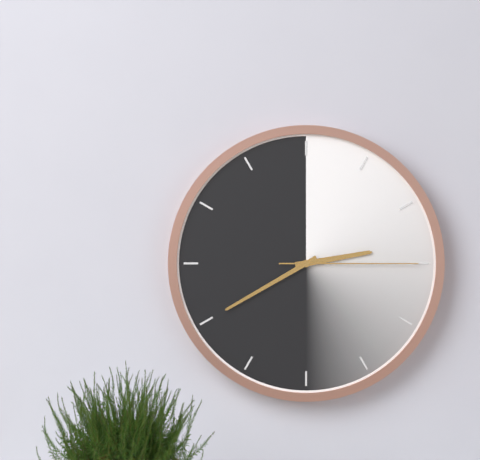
2:40:15
